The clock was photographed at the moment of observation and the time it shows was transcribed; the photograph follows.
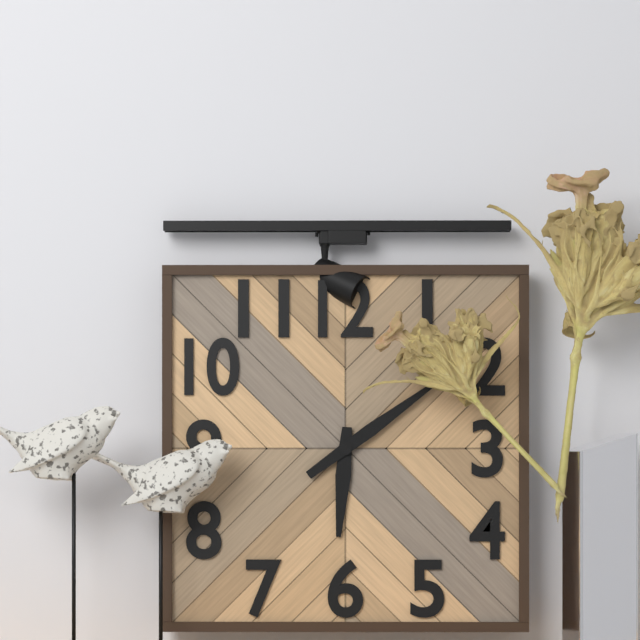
6:09
